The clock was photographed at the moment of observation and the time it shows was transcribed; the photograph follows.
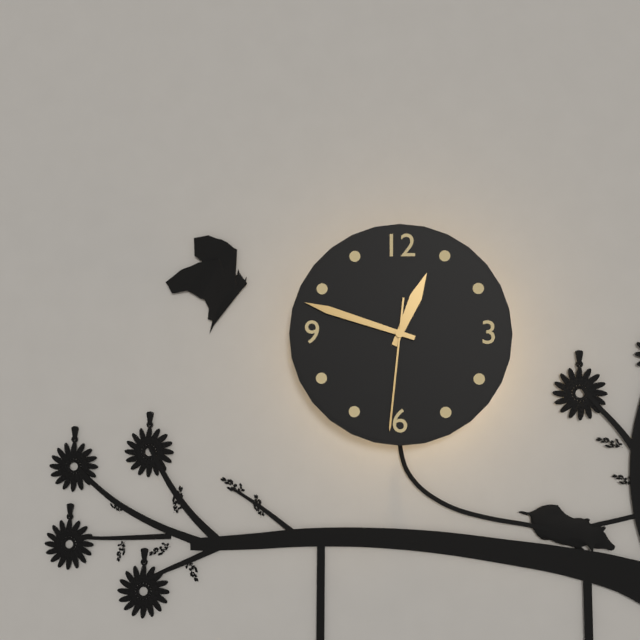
12:48:31
